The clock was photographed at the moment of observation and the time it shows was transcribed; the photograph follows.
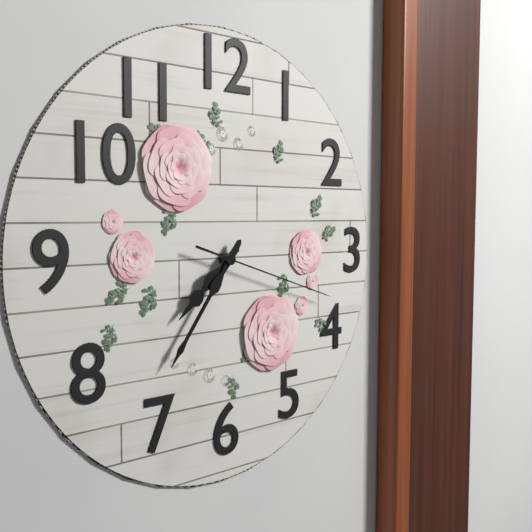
7:36:18
